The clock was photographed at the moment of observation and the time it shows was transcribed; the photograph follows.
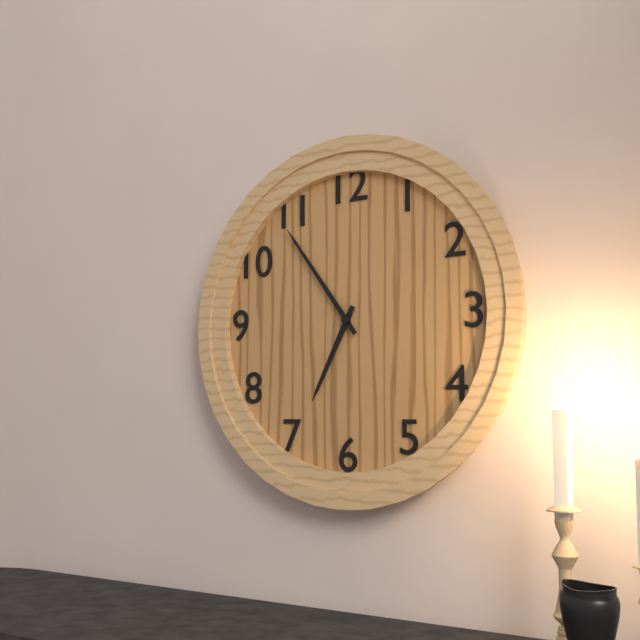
6:54
